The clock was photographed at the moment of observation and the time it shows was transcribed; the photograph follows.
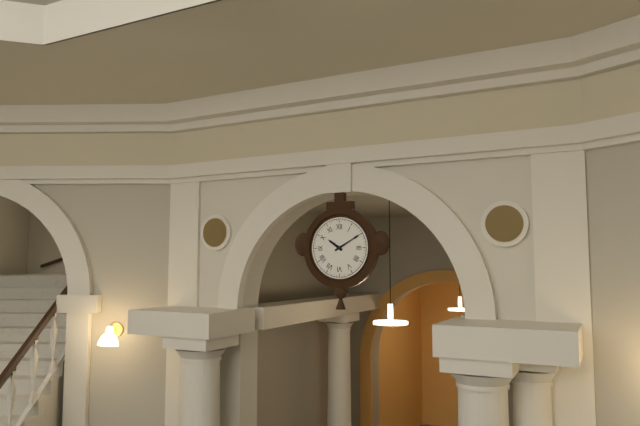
10:10
